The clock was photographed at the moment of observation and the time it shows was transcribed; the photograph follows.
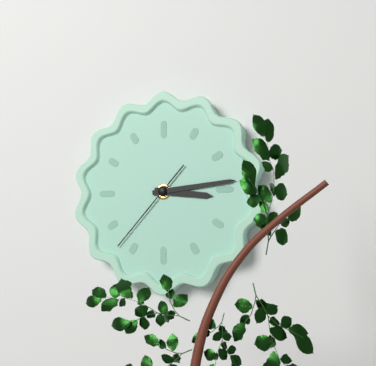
3:14:37
